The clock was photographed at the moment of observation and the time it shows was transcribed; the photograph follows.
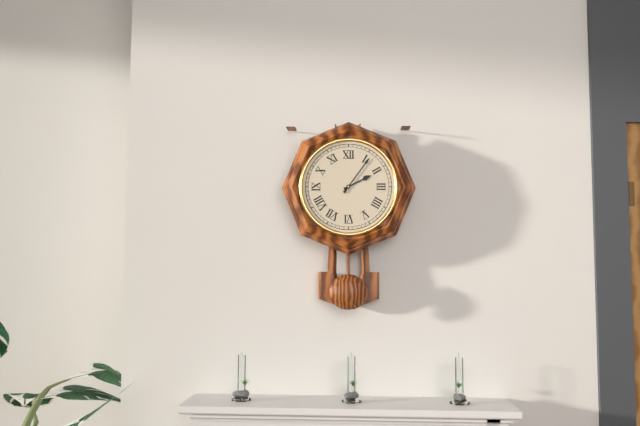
2:06
